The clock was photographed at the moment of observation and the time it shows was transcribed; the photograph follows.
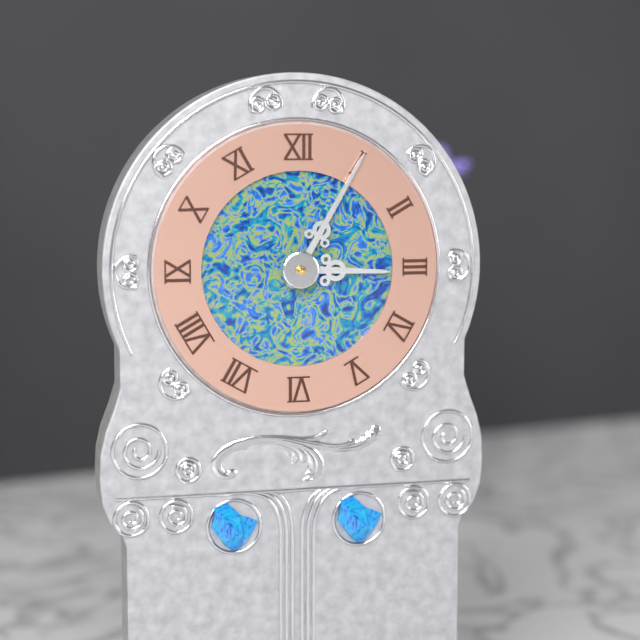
3:05
